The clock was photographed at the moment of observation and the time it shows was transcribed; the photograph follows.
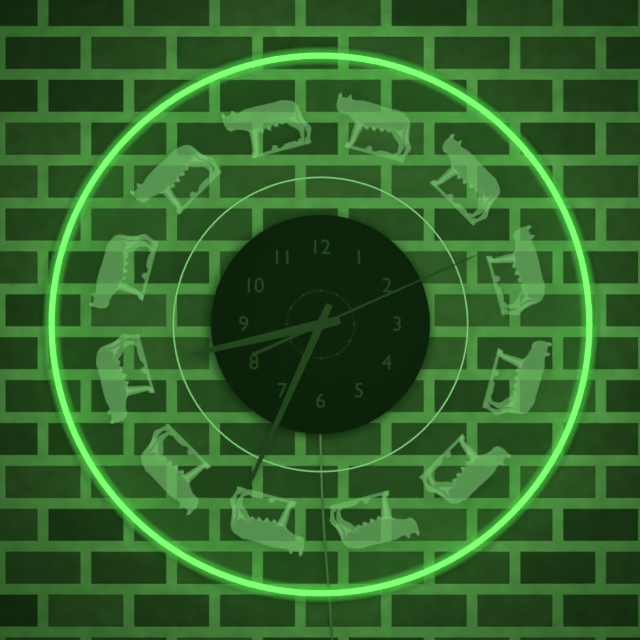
8:34:11
